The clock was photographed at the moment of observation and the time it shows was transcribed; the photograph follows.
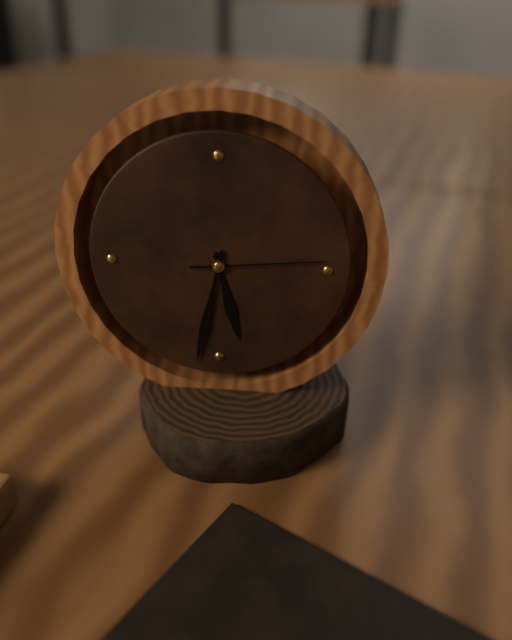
5:32:14
